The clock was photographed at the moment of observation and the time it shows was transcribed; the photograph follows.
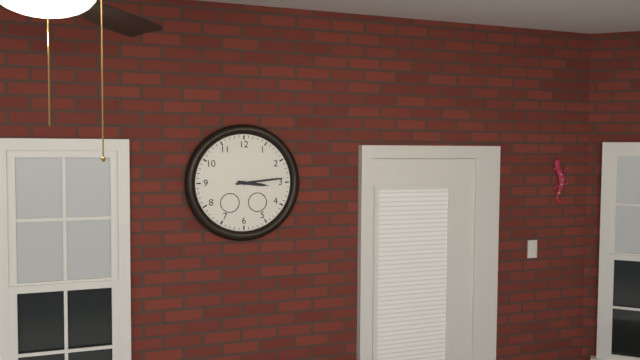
3:14
